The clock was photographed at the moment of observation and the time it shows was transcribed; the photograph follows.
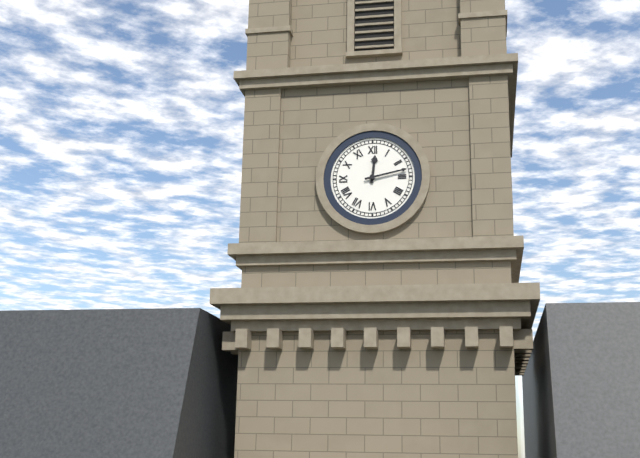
12:13
